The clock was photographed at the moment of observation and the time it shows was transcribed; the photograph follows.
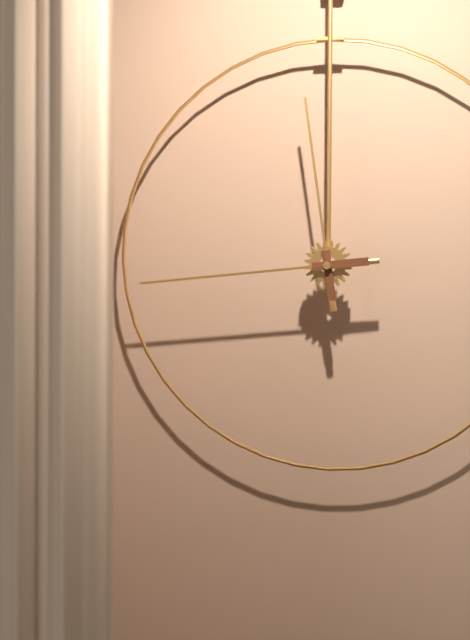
11:44
